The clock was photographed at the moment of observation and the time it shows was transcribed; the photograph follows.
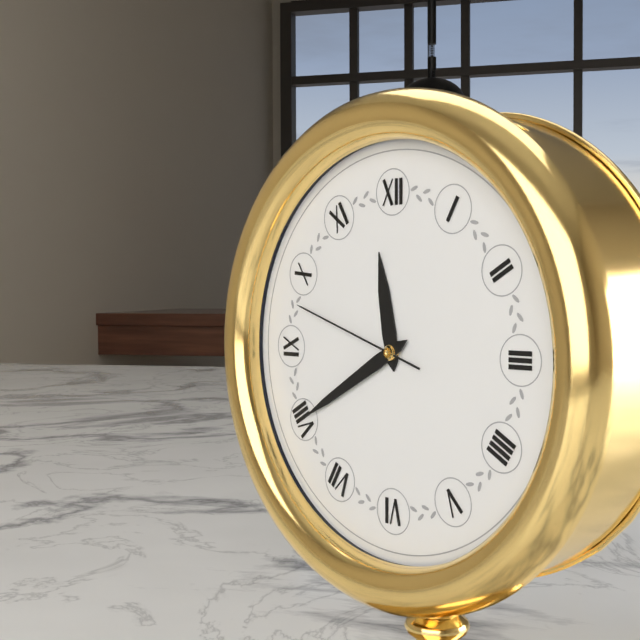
11:40:48
